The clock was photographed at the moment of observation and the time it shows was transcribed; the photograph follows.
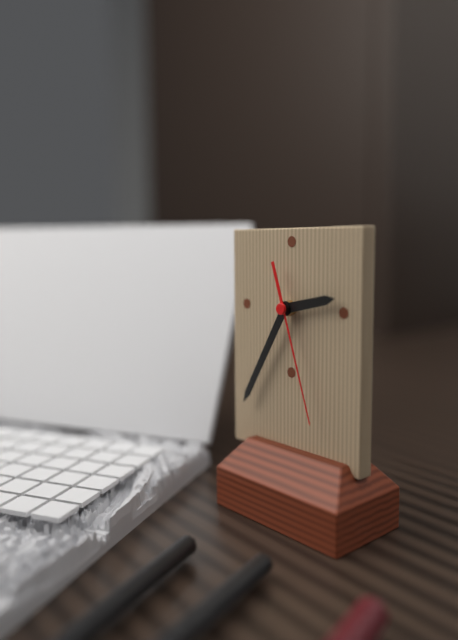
2:35:27
